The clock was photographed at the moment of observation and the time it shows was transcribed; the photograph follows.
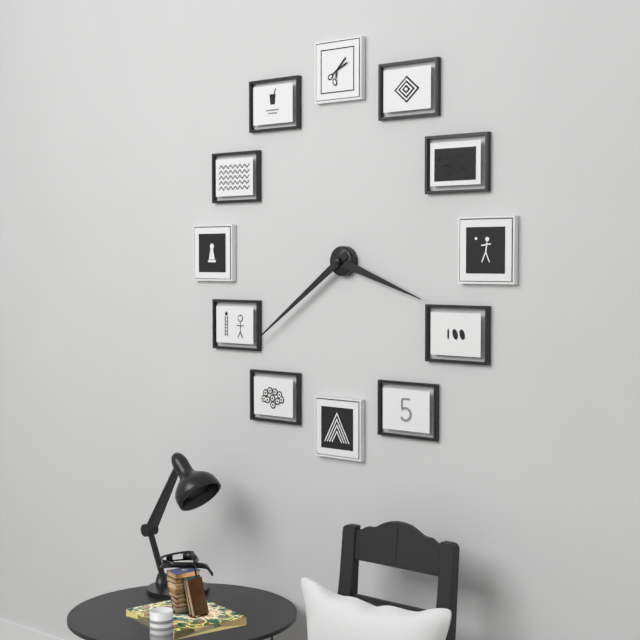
3:39
